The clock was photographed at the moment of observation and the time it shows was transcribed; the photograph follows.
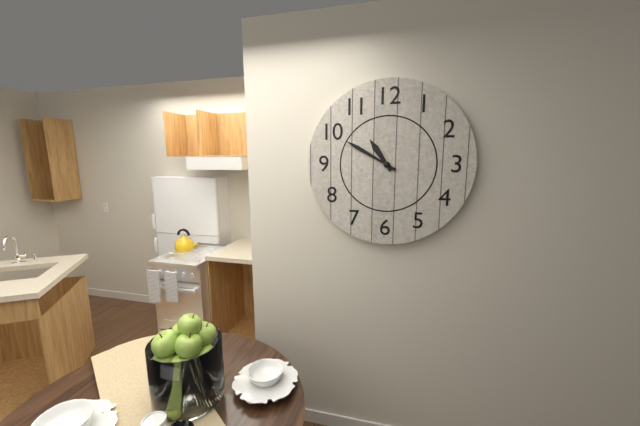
10:50
